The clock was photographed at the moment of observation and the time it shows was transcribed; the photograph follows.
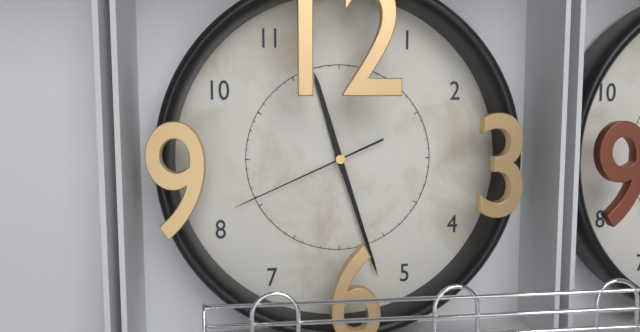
11:27:41
